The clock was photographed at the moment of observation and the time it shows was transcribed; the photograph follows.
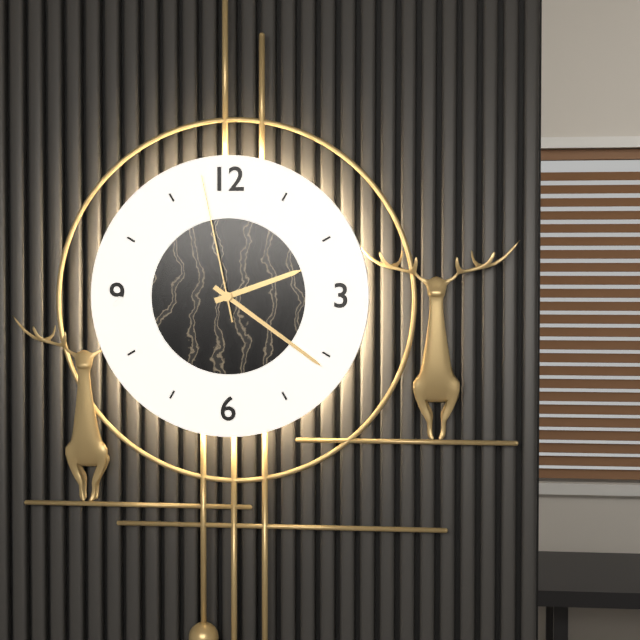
2:21:58
